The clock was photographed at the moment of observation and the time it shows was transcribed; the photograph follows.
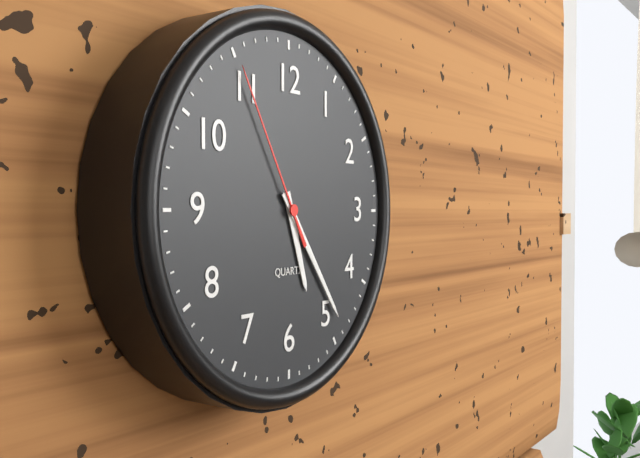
5:24:55
